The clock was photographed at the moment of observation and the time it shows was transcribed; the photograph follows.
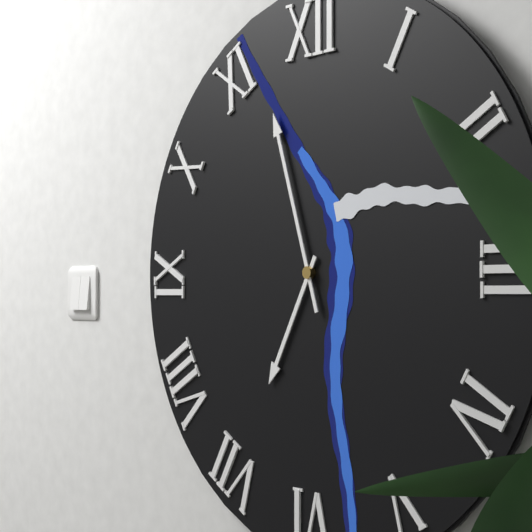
6:57
